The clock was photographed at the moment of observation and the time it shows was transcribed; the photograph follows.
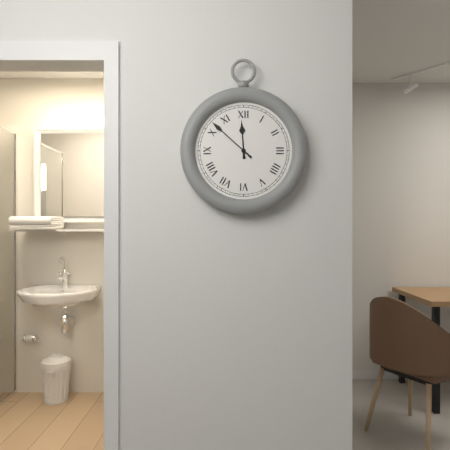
11:52
